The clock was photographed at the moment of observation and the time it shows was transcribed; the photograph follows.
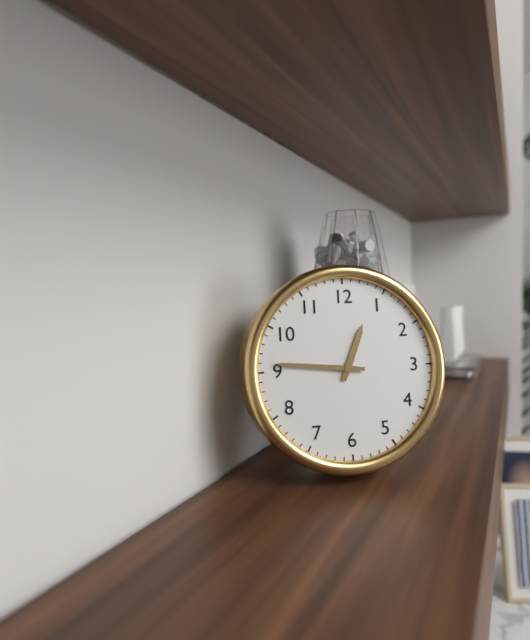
12:46
